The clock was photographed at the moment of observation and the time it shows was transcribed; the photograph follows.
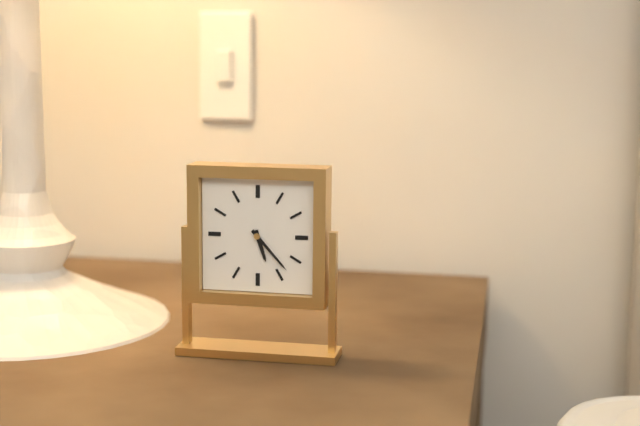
5:23
